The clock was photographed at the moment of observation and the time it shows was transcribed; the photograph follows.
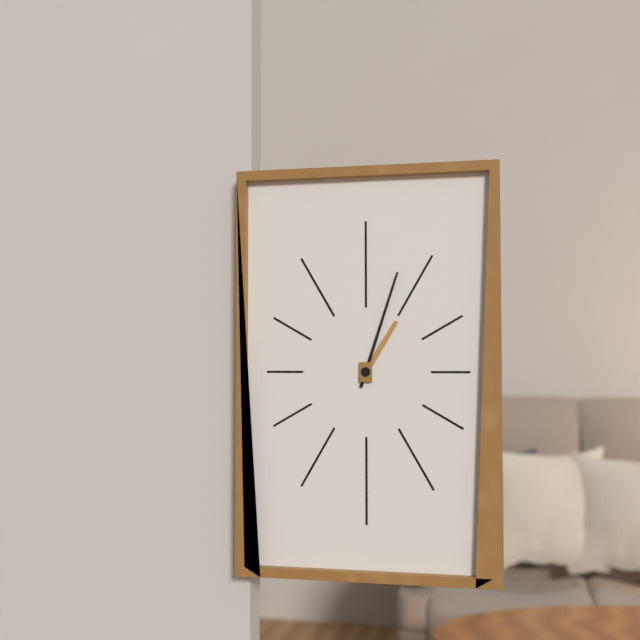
1:03
